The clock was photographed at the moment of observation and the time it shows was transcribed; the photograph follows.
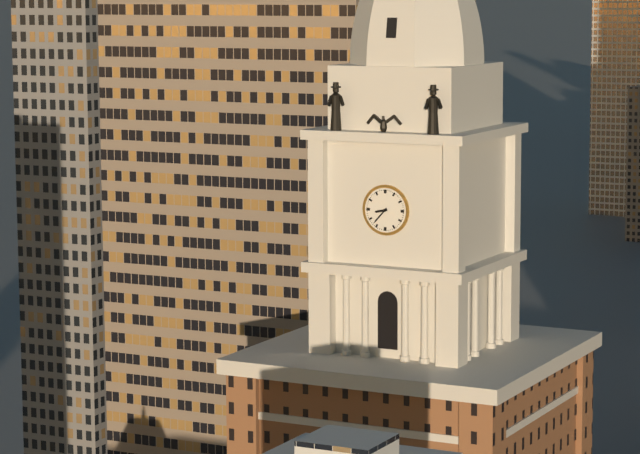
8:37
